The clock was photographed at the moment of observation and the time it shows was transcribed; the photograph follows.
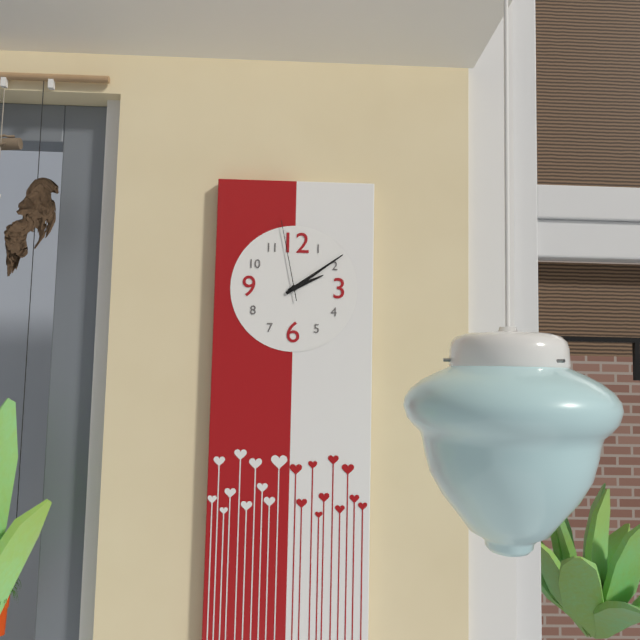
2:09:58
